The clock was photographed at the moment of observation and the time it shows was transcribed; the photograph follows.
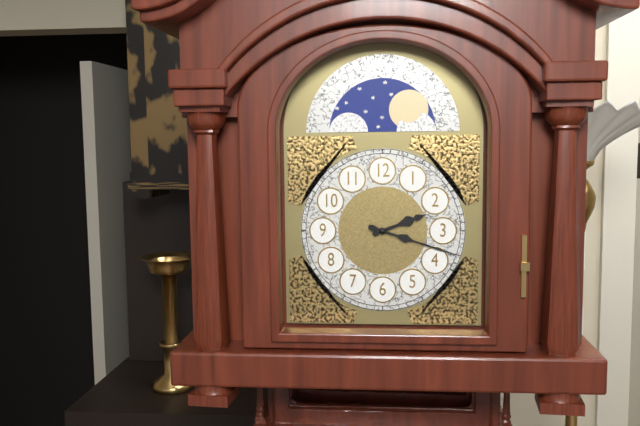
2:18
